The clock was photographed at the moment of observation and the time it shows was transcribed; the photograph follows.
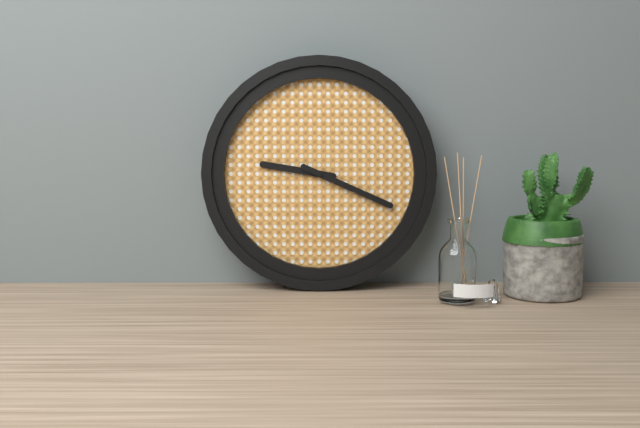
9:19
